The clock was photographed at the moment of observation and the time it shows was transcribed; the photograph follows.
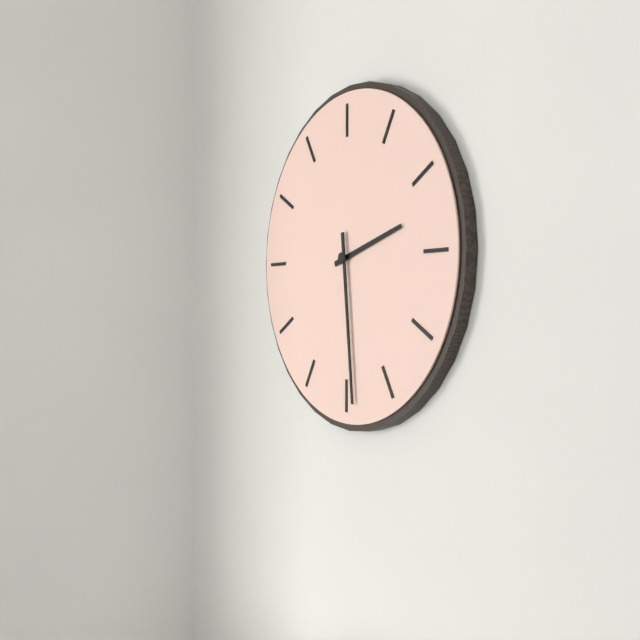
2:29
